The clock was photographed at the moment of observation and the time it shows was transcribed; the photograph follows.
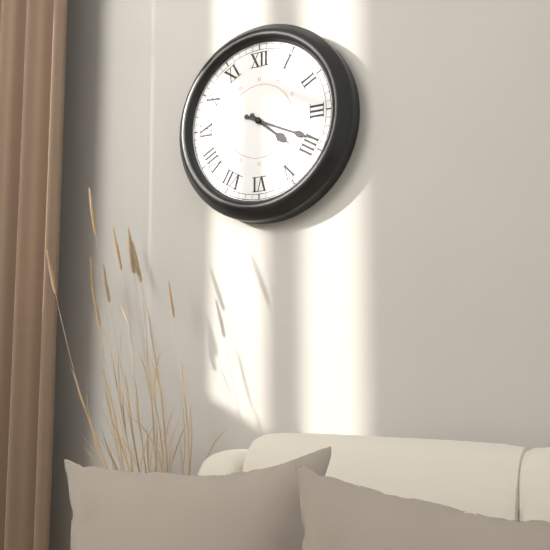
4:19
